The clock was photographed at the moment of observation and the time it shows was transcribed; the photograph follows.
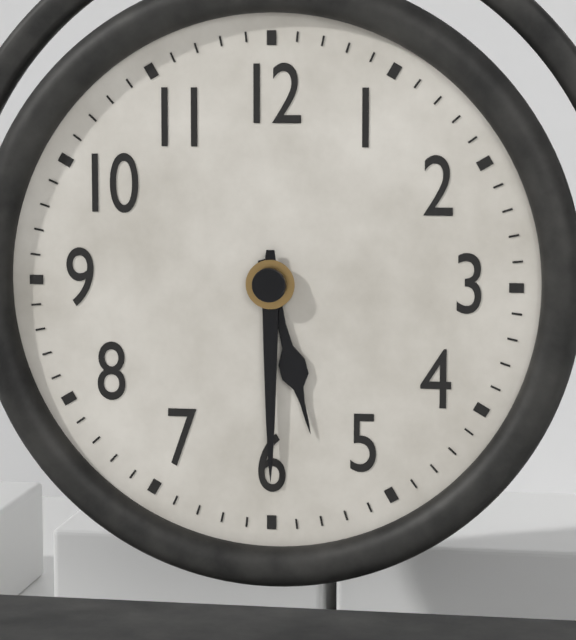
5:30
